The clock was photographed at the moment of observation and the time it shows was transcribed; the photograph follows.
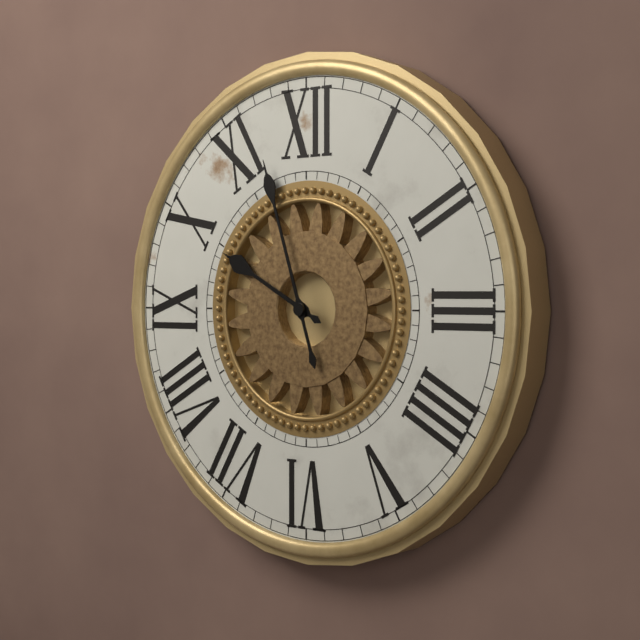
9:57
